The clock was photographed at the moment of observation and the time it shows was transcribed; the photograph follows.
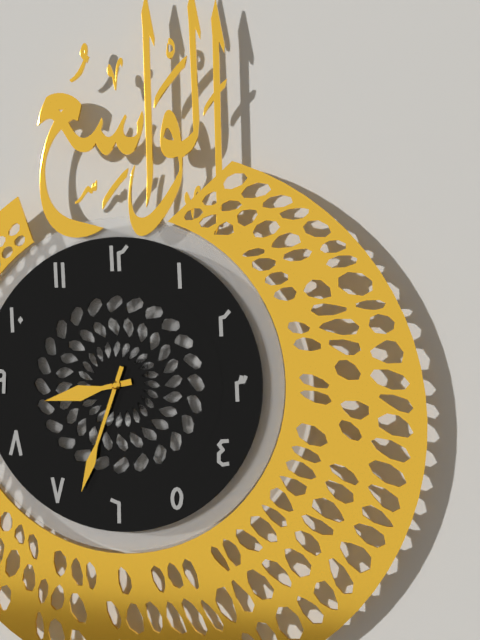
8:33
